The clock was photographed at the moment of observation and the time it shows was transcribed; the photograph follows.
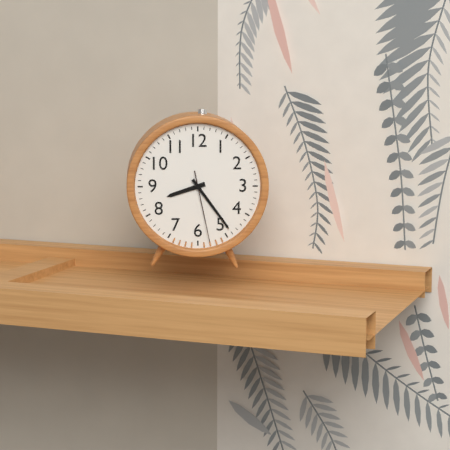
8:24:28
